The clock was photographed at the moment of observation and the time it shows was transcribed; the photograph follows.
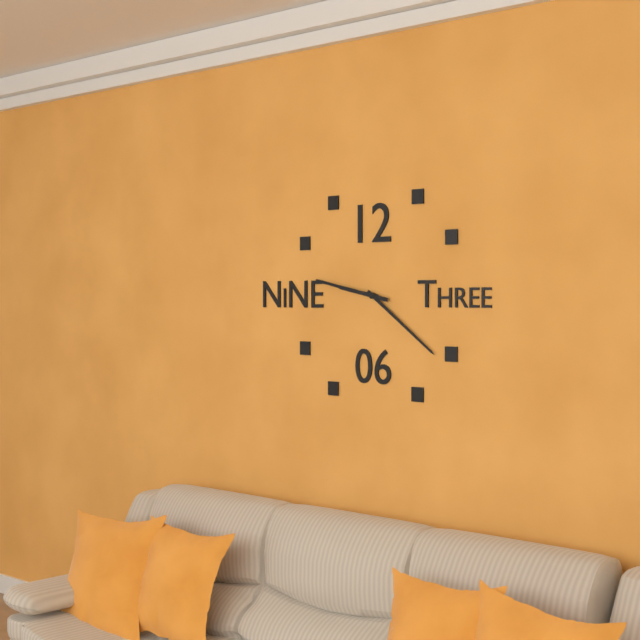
9:21:47
